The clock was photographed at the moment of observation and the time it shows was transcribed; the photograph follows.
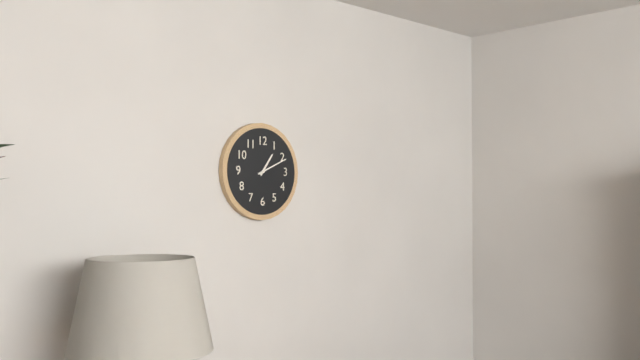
1:11
